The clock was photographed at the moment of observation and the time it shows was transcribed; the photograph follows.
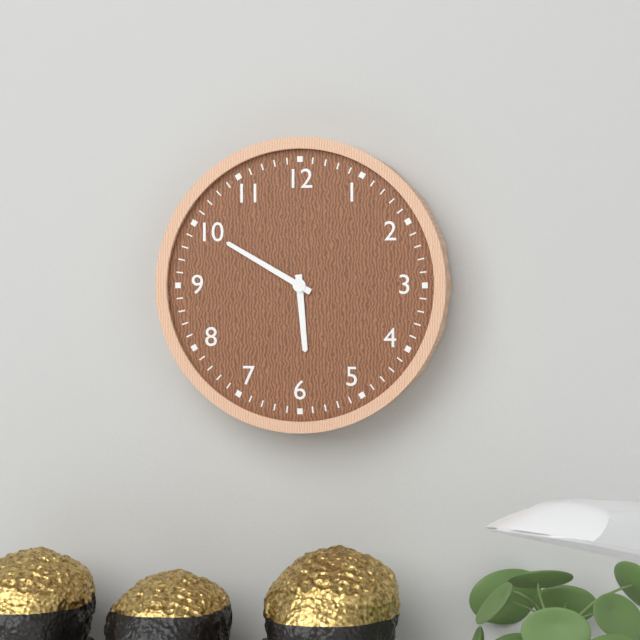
5:50
